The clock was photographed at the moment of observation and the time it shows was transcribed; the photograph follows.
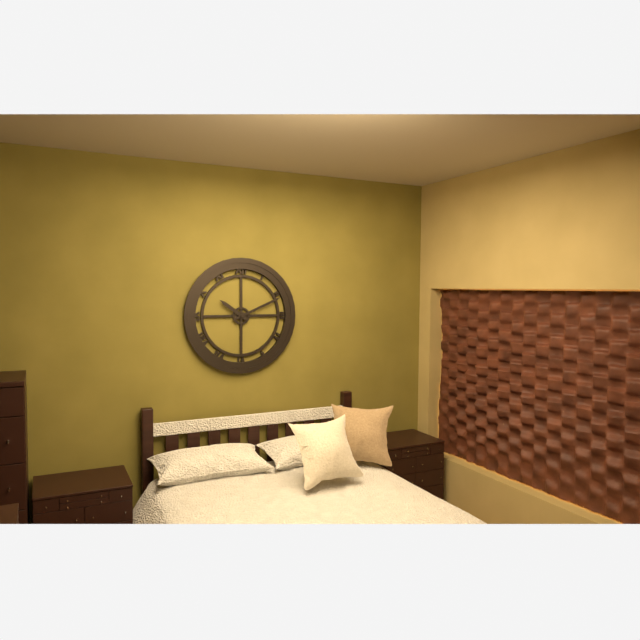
10:11
